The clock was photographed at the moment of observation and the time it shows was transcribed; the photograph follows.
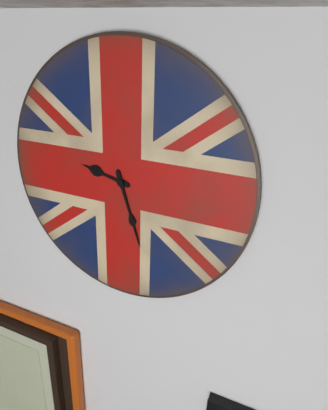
9:27
